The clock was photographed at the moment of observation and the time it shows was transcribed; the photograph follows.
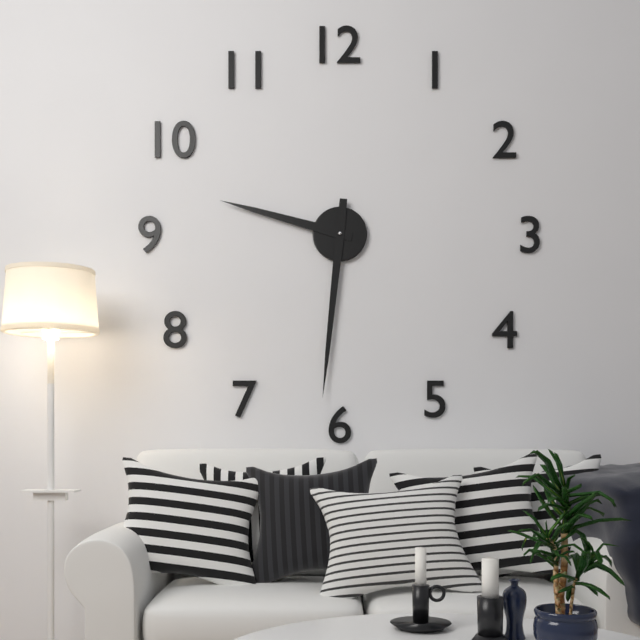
9:31
